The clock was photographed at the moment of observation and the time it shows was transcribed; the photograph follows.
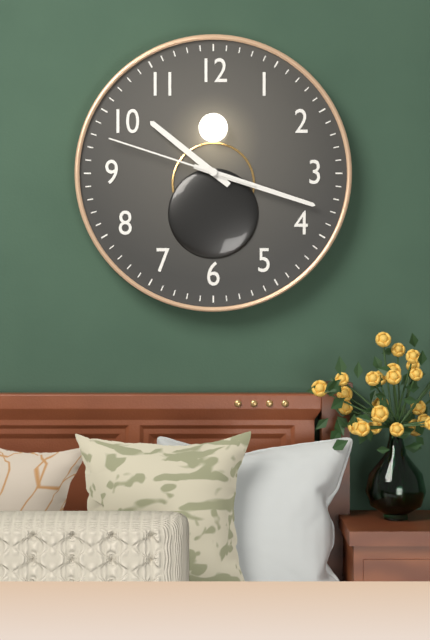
10:18:48
